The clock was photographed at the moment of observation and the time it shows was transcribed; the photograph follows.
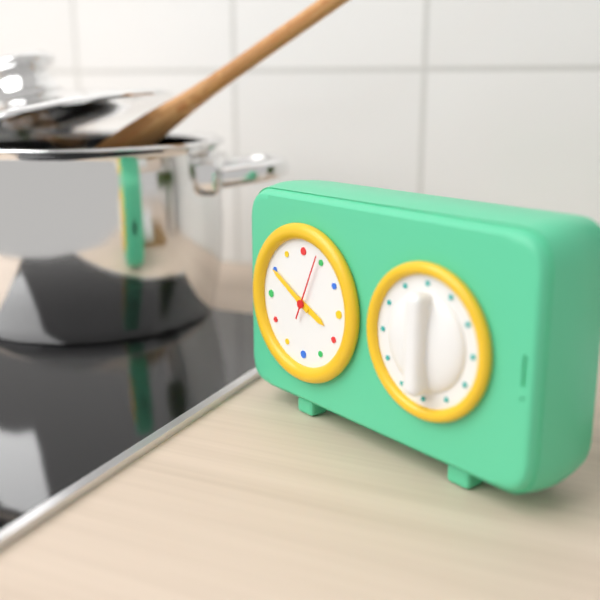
3:50:04
